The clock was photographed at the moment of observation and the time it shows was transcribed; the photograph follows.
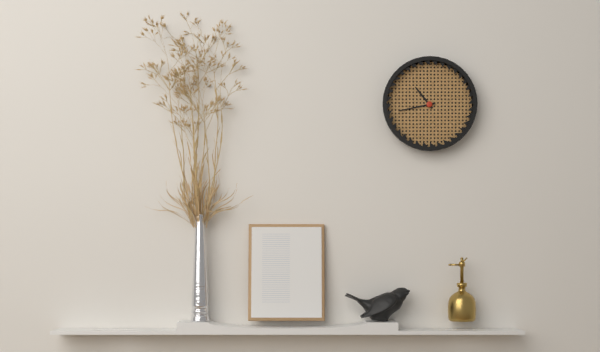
10:43
